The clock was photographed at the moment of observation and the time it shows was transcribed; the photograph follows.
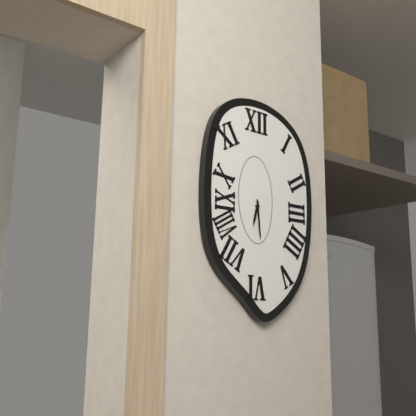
6:29
